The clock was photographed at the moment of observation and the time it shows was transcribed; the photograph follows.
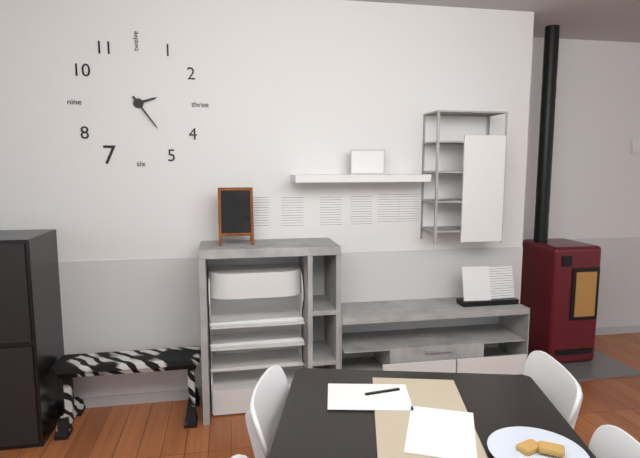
2:24
